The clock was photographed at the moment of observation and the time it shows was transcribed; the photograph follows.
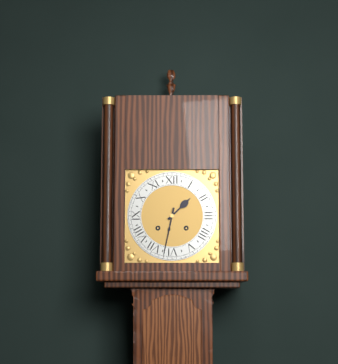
1:32
